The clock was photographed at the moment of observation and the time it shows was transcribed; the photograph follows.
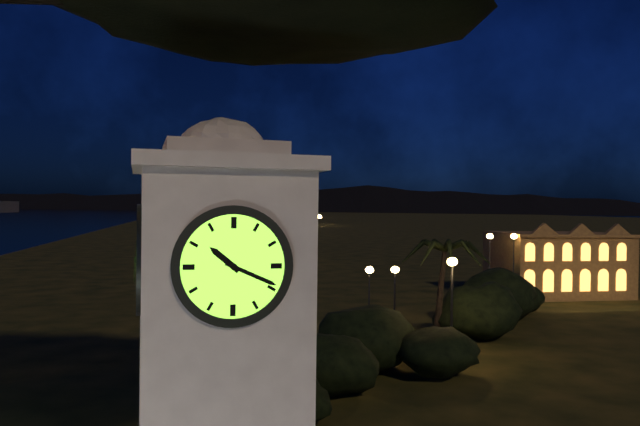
10:19
